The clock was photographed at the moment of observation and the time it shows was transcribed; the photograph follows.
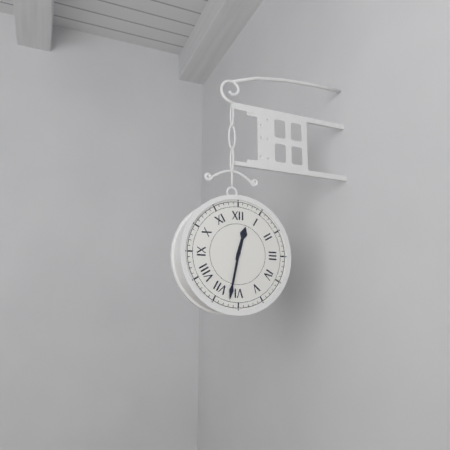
12:32
